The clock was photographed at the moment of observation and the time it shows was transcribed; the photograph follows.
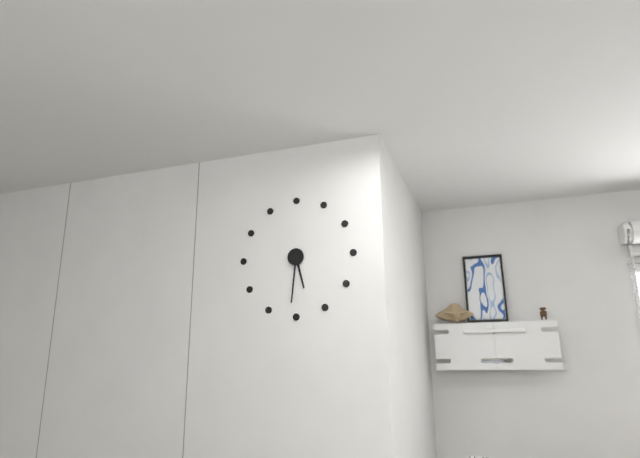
5:31
